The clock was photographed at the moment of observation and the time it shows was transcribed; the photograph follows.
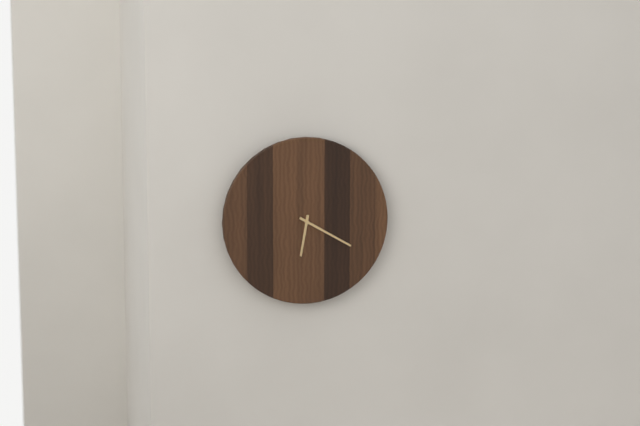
6:20
